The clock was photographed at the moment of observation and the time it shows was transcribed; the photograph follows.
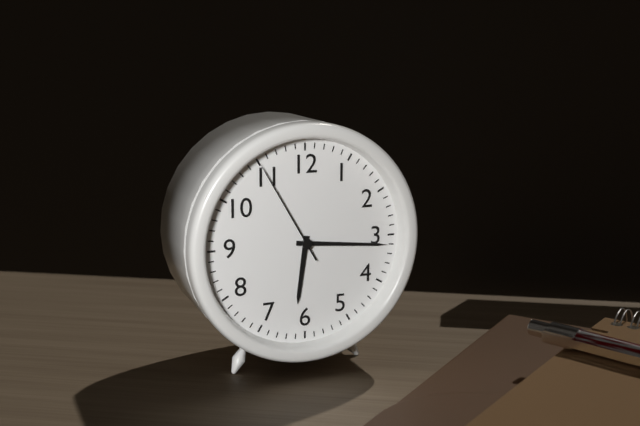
6:16:55
